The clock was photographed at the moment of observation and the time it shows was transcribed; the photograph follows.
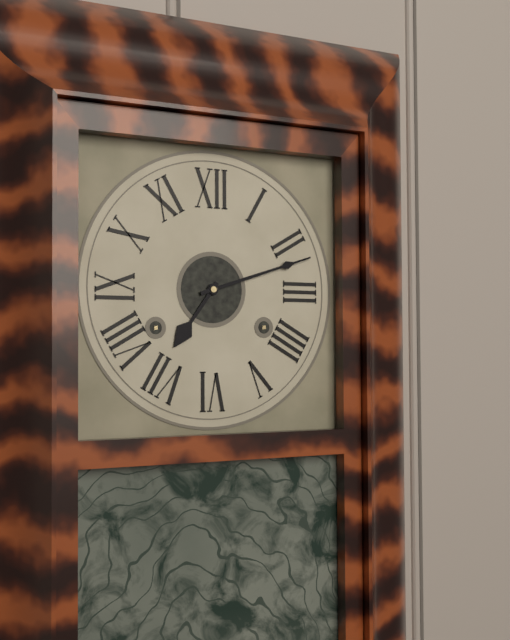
7:12
